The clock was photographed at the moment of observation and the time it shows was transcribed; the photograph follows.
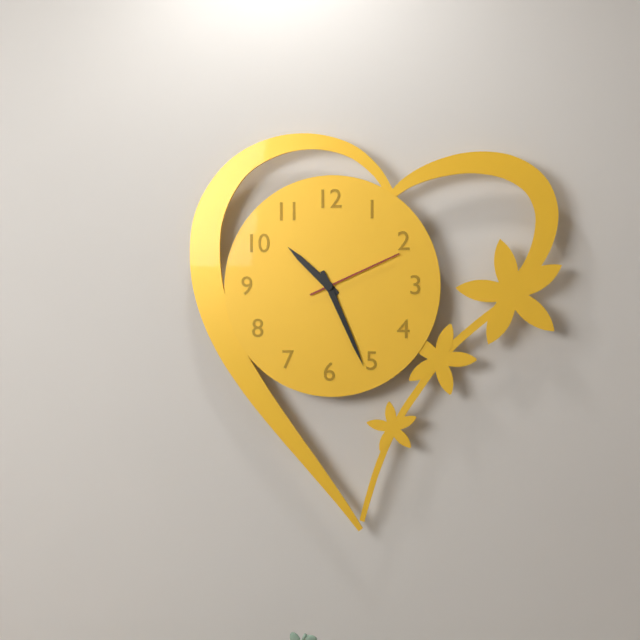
10:26:11
